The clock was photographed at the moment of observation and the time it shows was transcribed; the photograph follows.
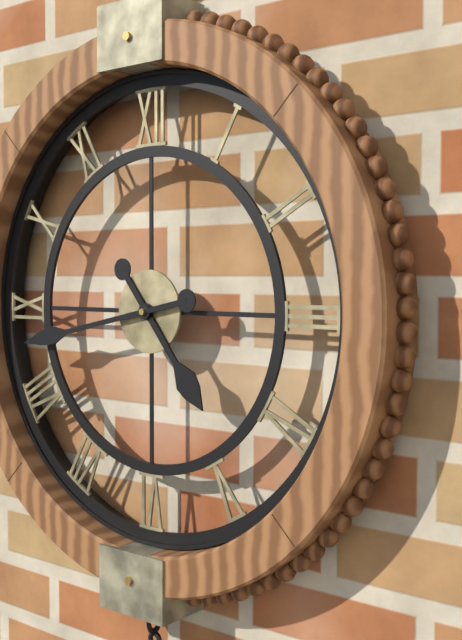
4:43
